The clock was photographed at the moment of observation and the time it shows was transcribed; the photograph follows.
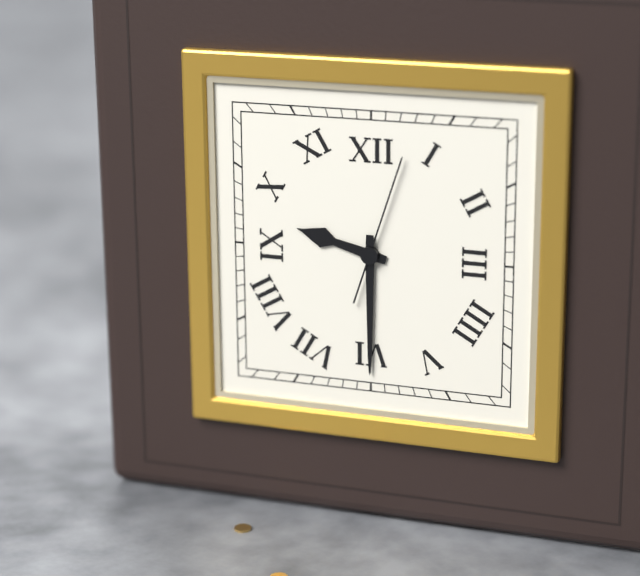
9:30:03
